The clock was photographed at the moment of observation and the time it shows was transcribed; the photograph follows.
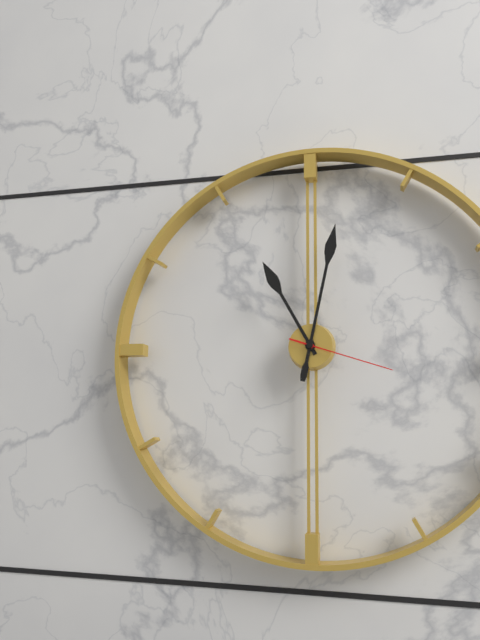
11:02:18
